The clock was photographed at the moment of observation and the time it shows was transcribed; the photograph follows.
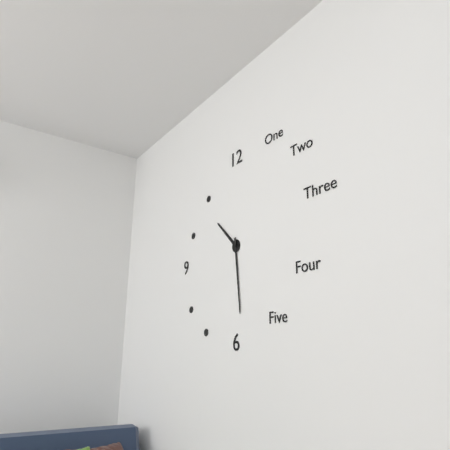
10:29
